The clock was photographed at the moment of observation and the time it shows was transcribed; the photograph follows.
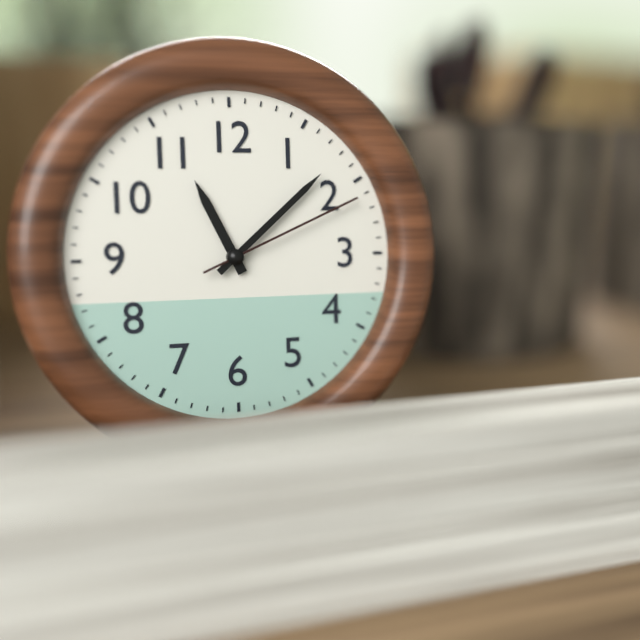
11:08:11
